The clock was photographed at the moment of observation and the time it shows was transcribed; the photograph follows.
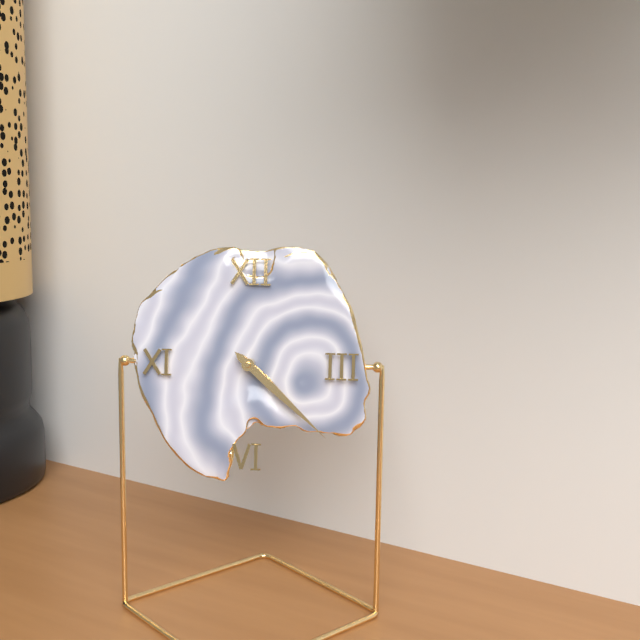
4:22
